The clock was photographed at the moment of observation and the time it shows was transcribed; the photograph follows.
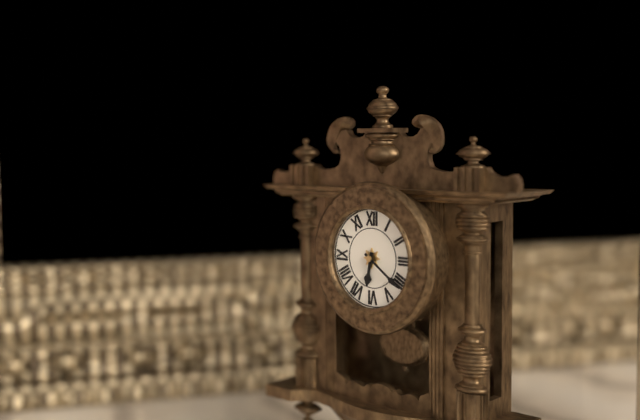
6:21
